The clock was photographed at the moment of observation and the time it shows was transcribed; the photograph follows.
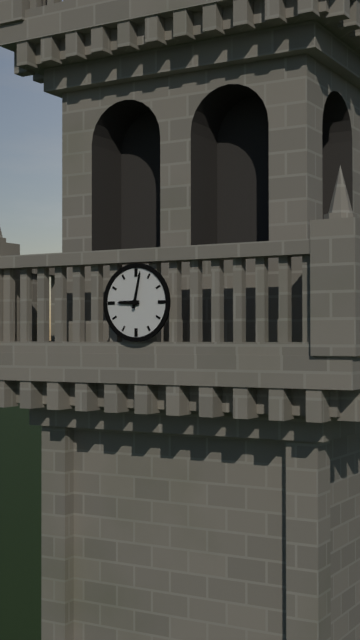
9:02
